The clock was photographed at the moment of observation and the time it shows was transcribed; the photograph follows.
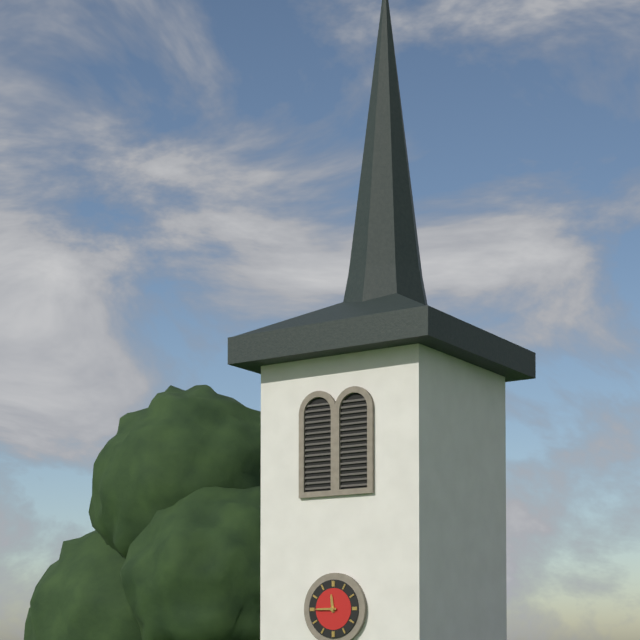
11:45
